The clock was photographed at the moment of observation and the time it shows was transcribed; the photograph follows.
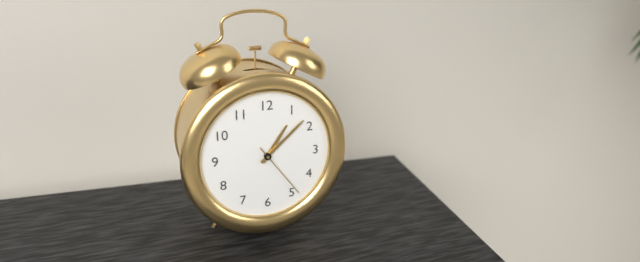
1:08:24
